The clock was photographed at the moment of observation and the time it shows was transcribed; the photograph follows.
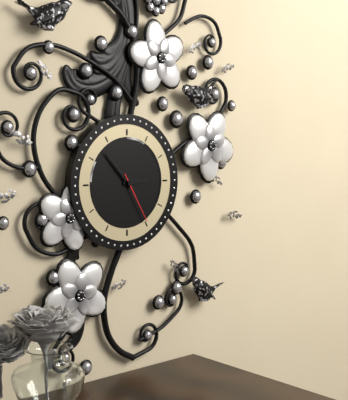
2:53:25
